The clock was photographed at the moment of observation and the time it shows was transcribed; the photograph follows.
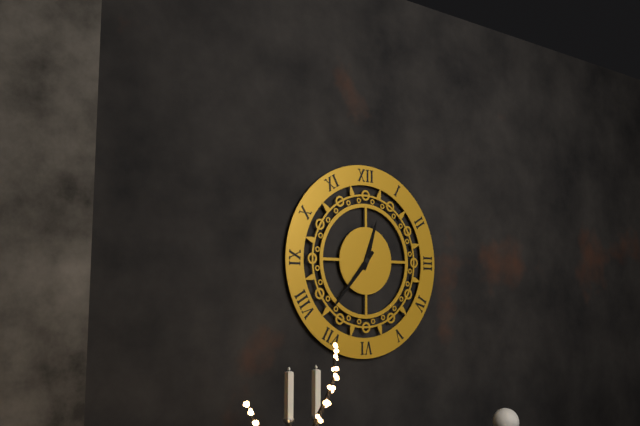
12:37
